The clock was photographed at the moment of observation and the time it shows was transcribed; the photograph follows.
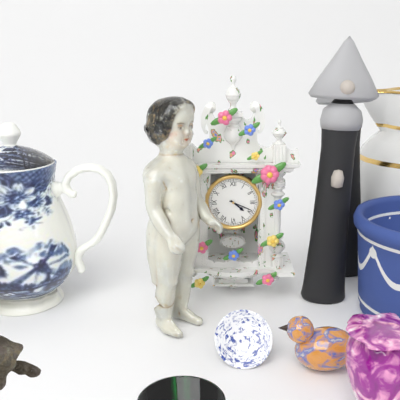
4:19
